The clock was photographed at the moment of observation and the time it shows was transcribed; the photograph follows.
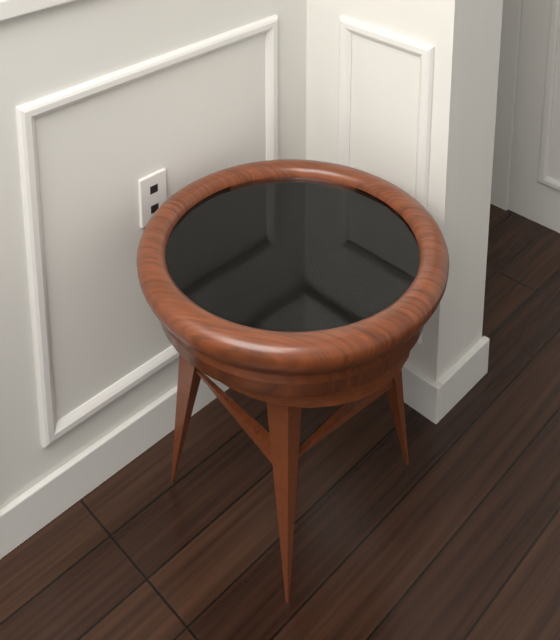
11:15
